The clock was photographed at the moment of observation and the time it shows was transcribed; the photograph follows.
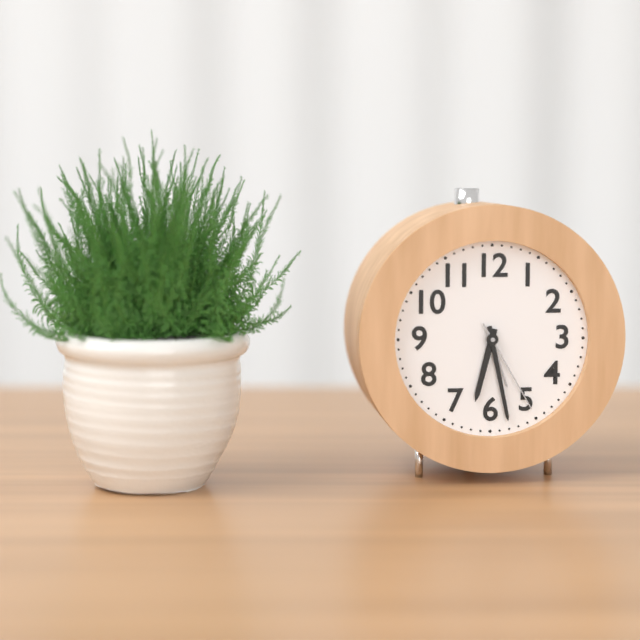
6:28:25
